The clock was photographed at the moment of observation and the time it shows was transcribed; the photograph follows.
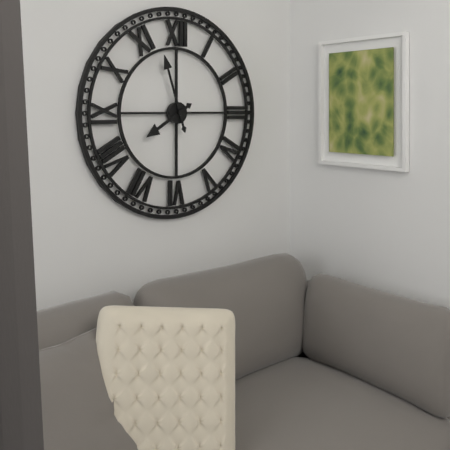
7:57
